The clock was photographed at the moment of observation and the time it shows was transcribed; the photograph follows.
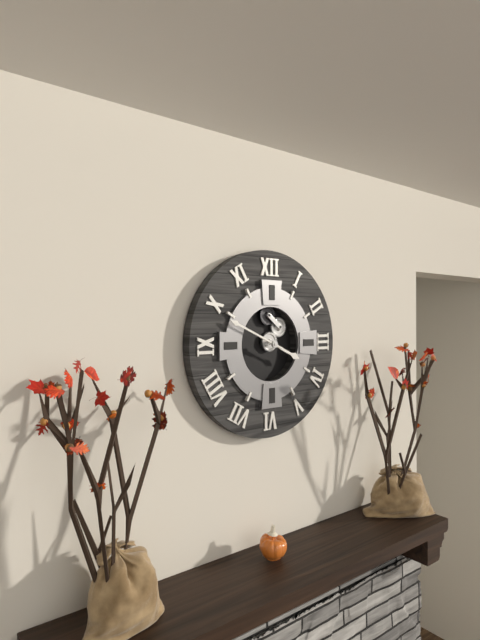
3:49
